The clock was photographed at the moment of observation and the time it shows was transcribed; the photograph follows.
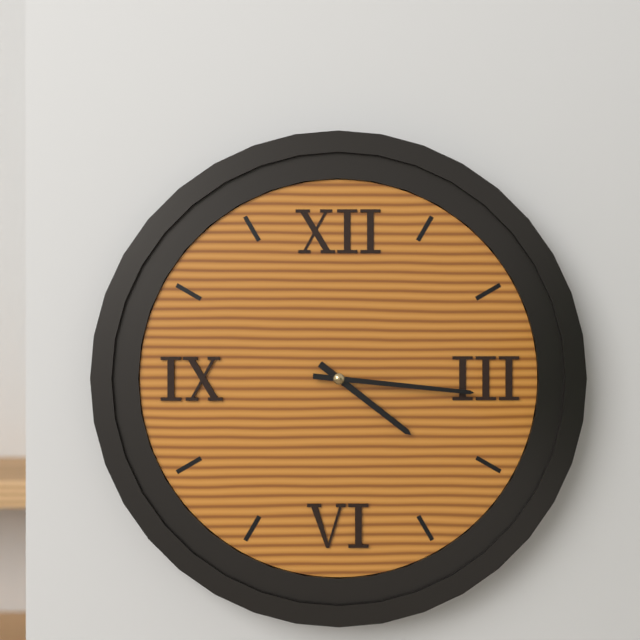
4:16
